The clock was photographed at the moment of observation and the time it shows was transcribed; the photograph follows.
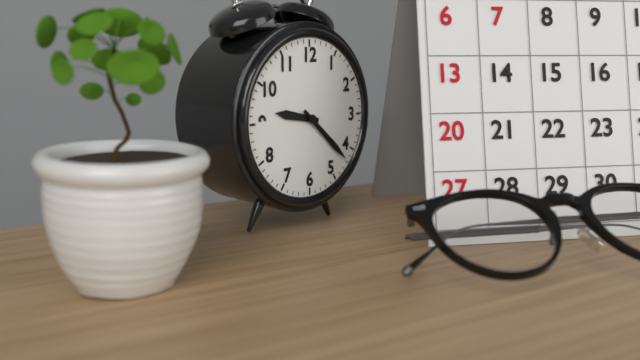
9:22
